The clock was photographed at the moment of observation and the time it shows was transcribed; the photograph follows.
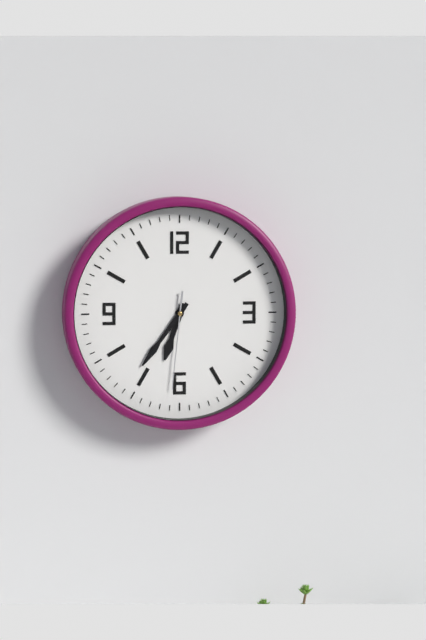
6:36:31
